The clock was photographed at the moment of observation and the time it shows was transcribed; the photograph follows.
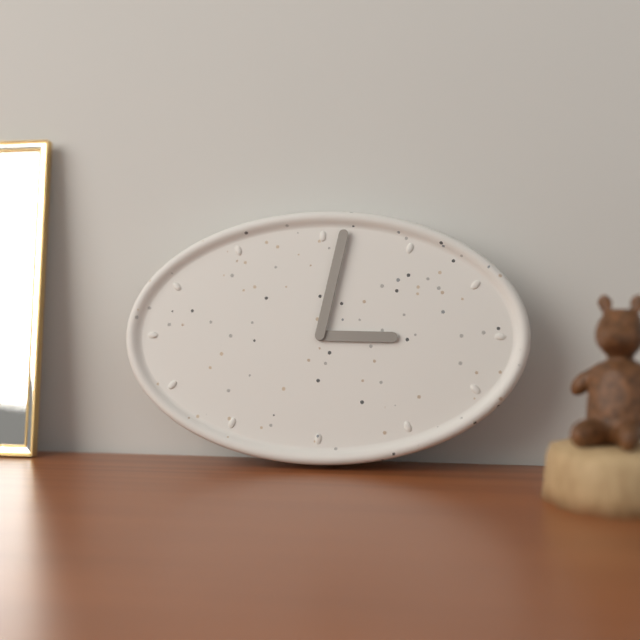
3:02
